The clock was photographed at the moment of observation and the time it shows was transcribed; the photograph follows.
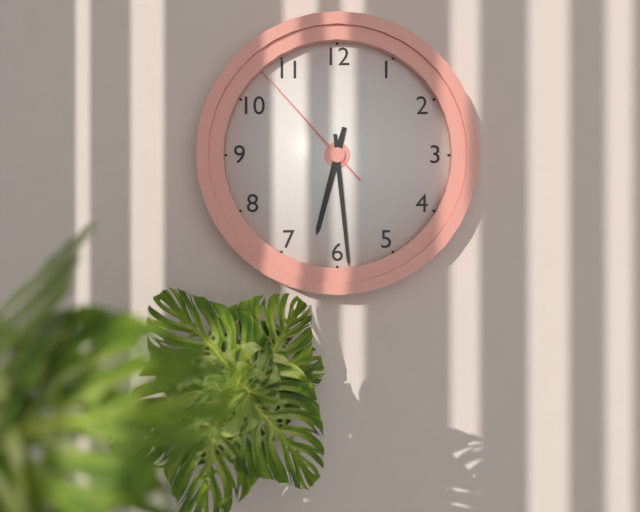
6:29:53
